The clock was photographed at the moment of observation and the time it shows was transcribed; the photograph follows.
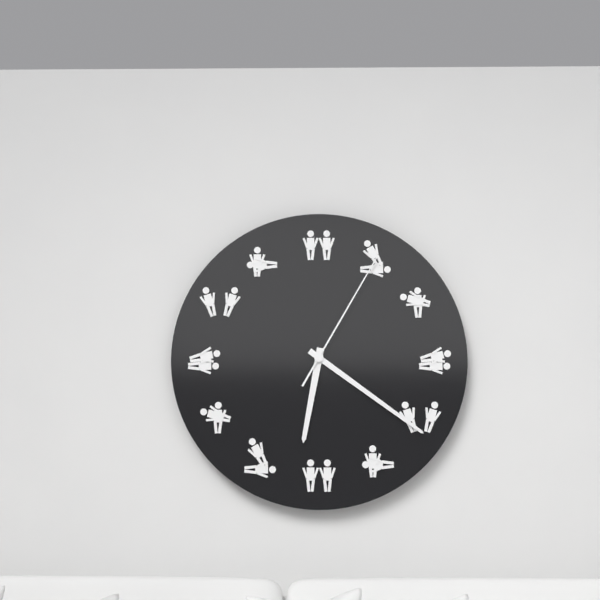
6:21:05
